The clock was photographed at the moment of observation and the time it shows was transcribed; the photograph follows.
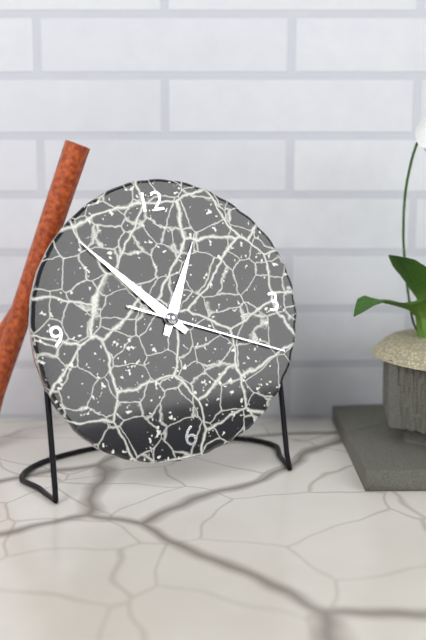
12:53:19
